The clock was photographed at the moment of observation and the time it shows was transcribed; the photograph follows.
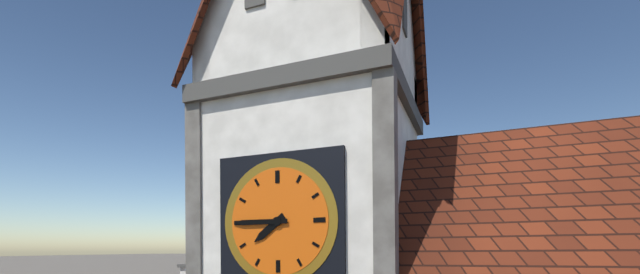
7:45
